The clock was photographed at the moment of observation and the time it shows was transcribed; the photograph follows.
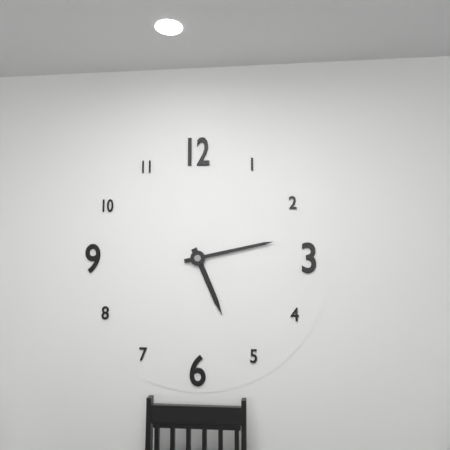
5:13
